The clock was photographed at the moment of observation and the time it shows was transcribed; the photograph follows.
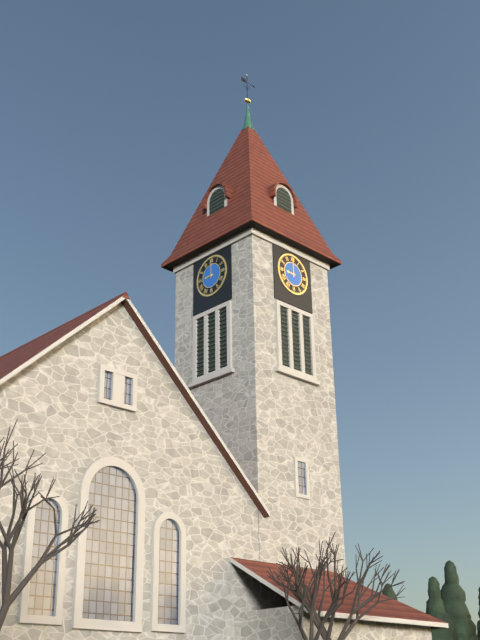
9:00
